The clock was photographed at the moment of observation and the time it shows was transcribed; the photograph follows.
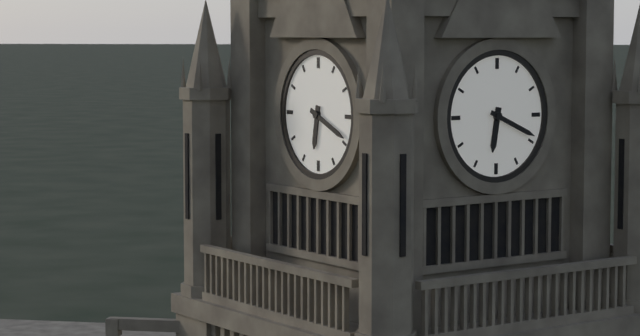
6:19
